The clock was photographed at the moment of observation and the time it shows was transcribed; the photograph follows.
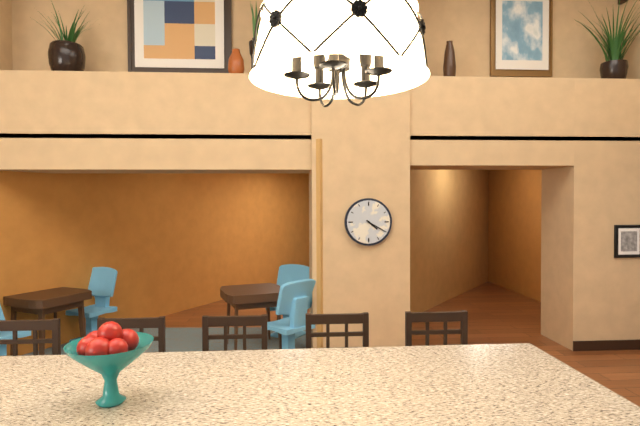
4:20
